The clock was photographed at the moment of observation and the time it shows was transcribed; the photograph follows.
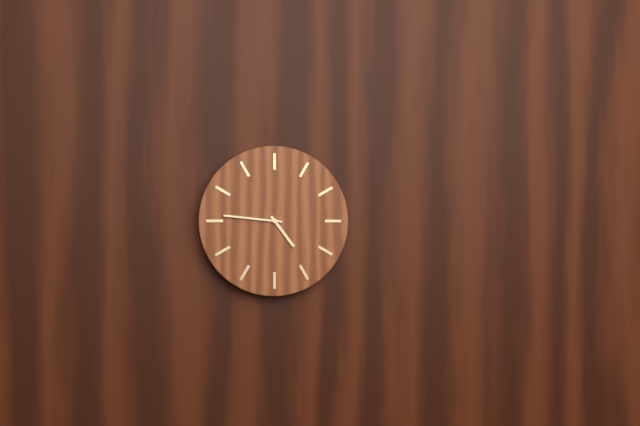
4:46
